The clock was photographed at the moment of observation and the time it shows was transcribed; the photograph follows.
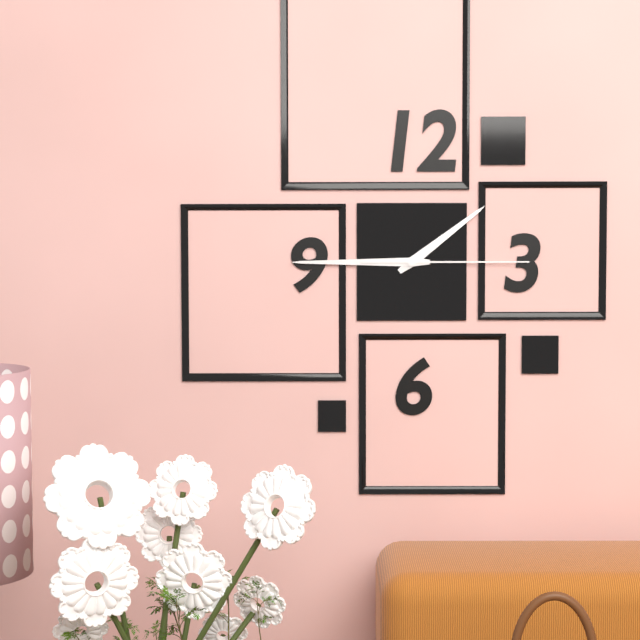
1:45:15
